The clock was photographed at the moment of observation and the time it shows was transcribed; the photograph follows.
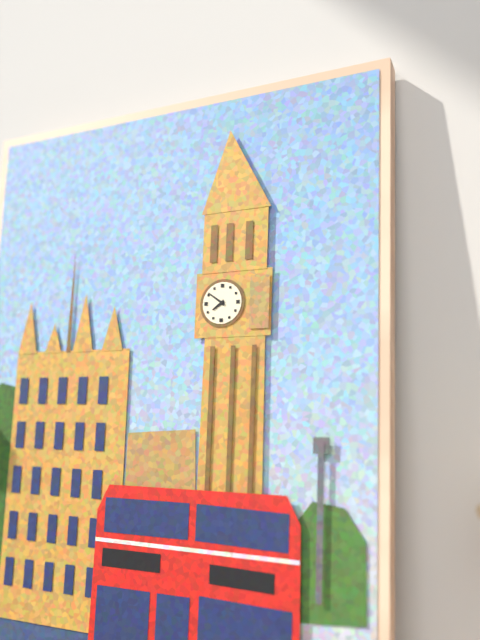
7:51
